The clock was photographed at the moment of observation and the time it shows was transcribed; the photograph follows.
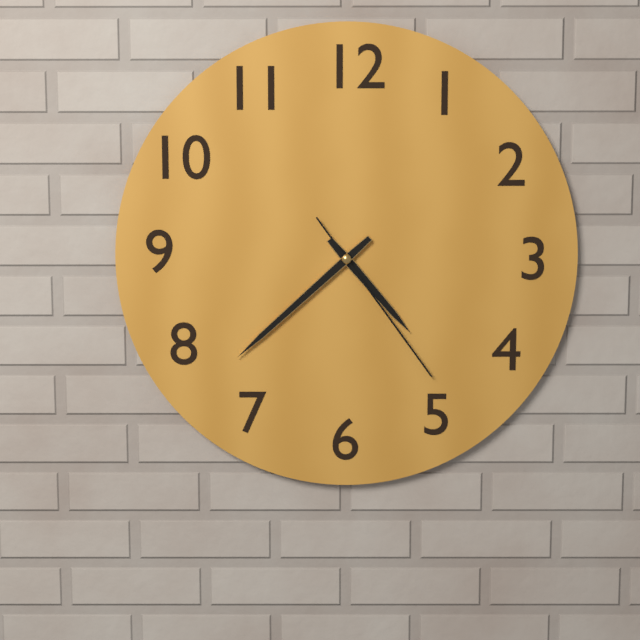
4:38:24
